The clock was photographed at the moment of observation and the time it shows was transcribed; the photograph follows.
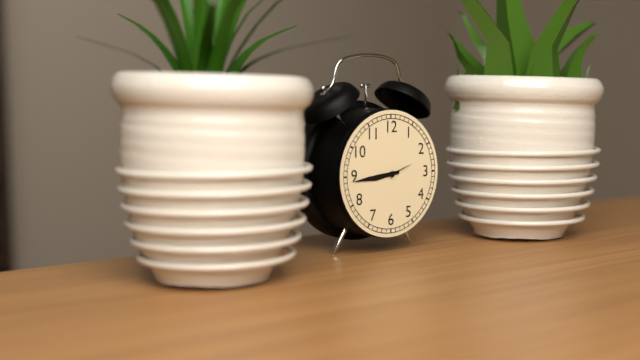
8:44
